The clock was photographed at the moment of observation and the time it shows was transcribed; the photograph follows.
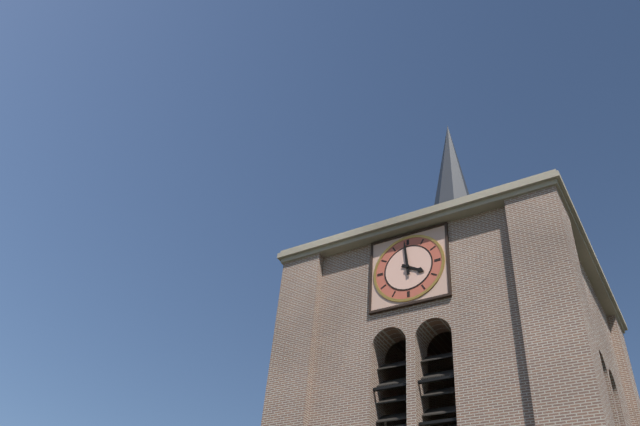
3:59
